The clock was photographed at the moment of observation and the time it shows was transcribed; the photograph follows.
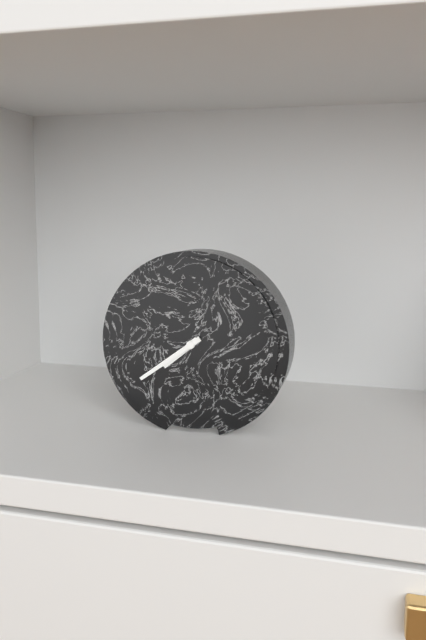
7:39
